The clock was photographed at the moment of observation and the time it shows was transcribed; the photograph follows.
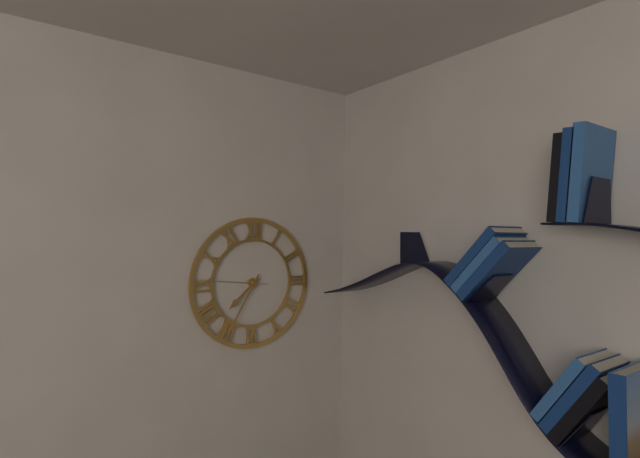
7:35:46
